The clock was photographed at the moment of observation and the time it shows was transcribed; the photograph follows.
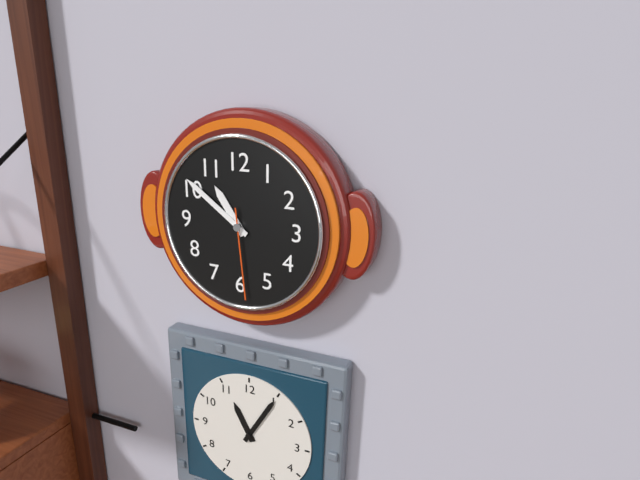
10:51:29
